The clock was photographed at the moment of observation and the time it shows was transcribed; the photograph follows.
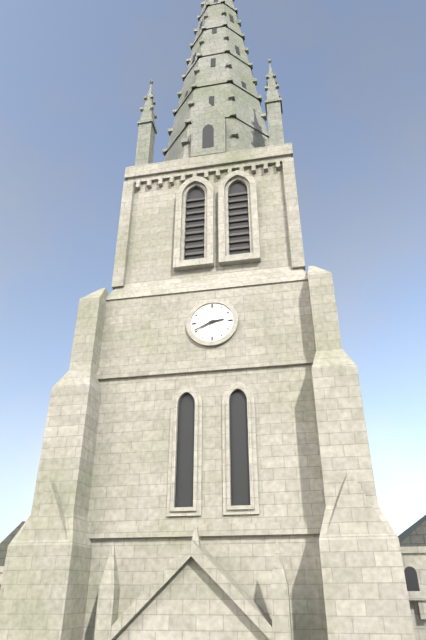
2:41
